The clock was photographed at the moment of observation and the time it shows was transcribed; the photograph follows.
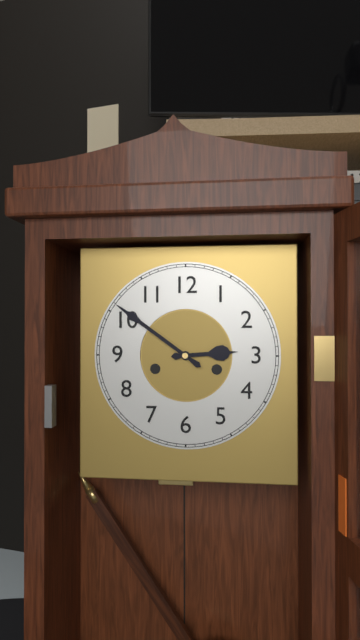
2:51
